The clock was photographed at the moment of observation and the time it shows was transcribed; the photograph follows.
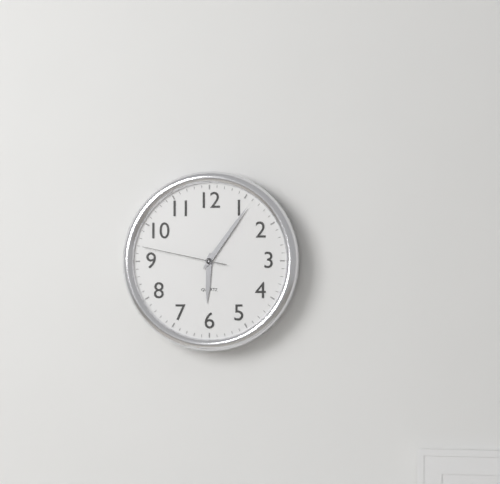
6:06:47
